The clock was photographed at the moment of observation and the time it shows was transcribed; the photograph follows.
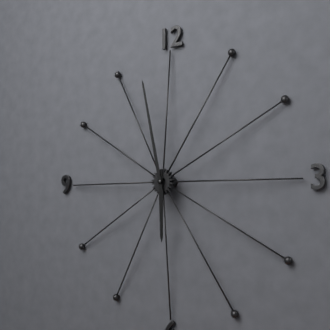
5:58
